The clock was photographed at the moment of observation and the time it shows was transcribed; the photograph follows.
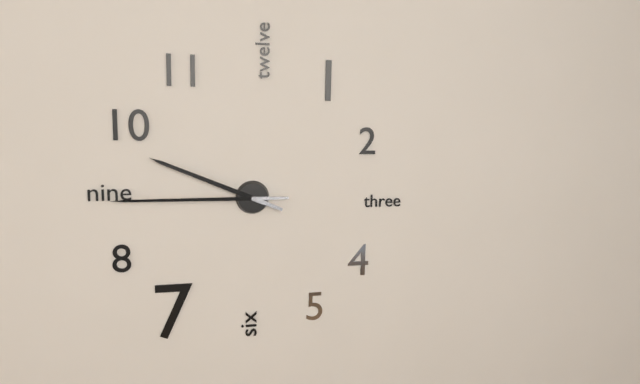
9:45
